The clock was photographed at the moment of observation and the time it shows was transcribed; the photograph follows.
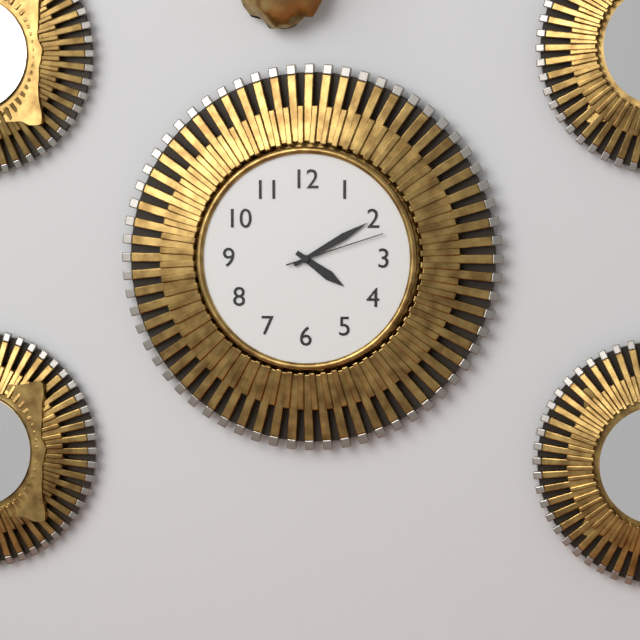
4:10:12
